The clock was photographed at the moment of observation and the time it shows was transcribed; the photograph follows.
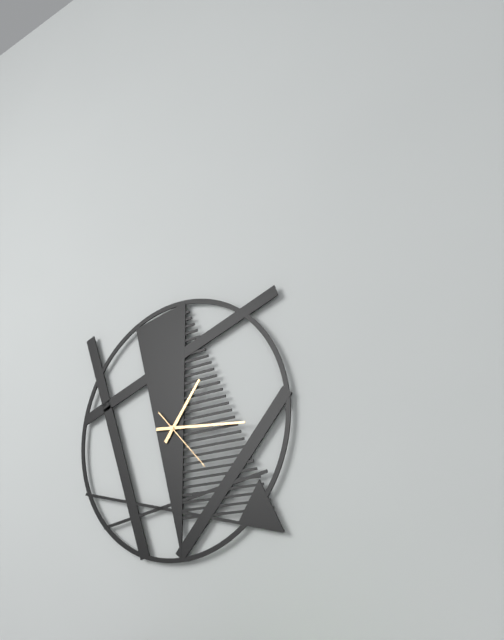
1:16:23
